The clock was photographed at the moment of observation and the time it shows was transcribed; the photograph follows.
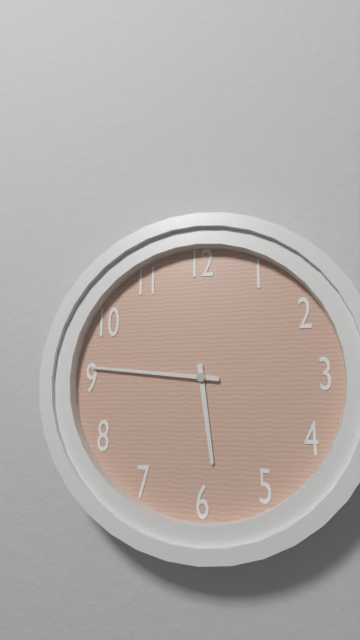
5:46
